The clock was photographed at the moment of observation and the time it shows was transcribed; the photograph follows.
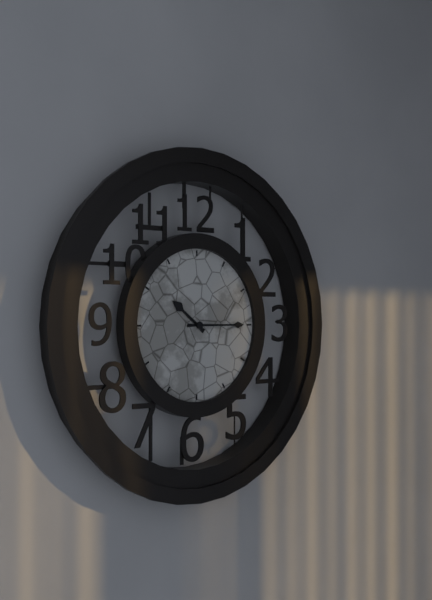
10:15
